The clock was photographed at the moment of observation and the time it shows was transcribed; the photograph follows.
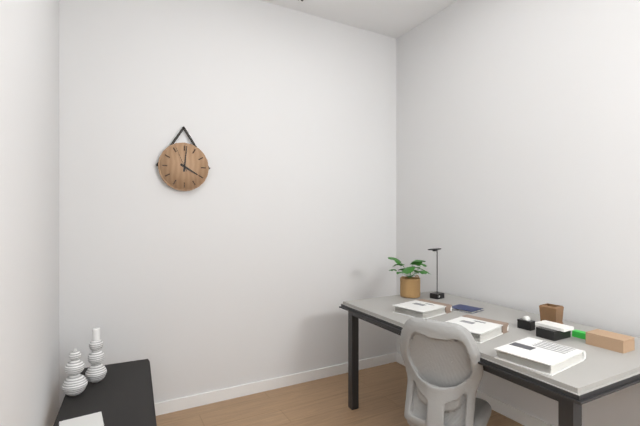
4:01
